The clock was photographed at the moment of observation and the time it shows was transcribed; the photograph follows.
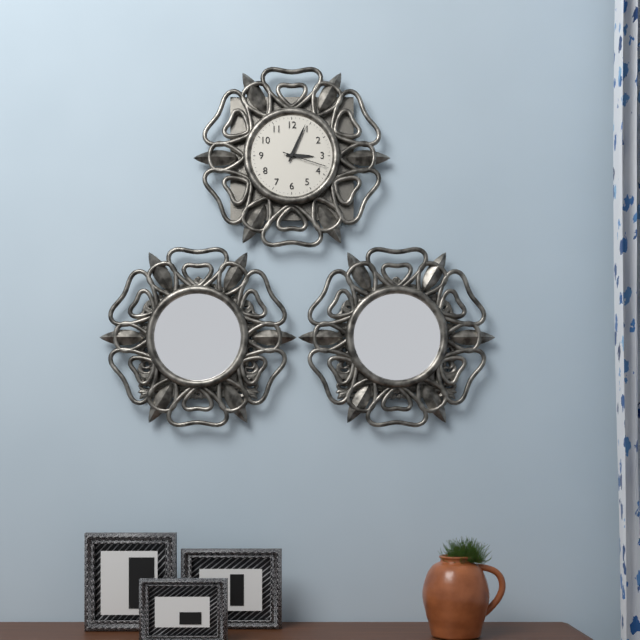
3:04
